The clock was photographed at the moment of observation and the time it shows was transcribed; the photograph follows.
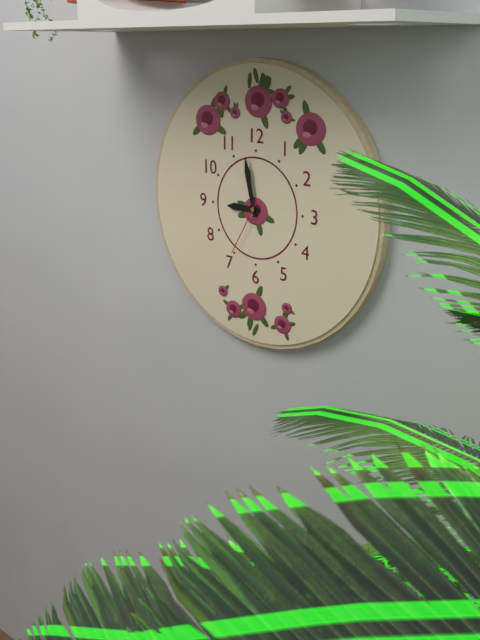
8:58:35
